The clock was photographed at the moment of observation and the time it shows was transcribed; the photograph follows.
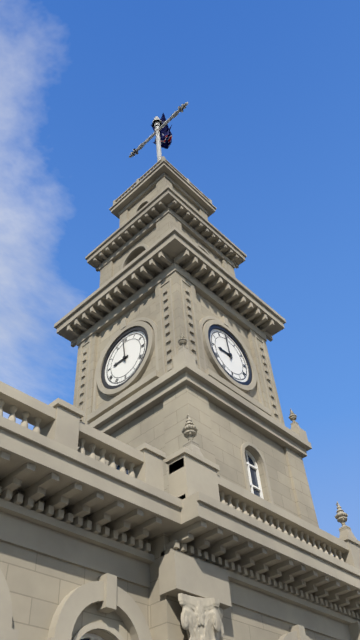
8:59
